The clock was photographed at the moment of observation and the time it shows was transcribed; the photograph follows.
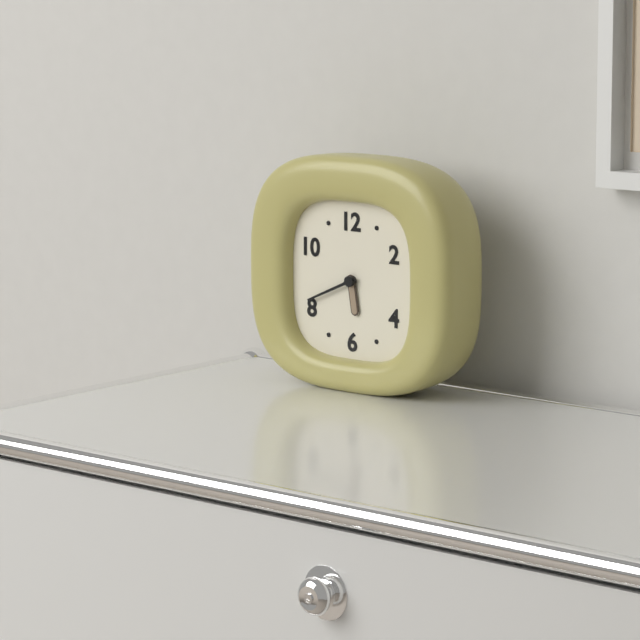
5:41
